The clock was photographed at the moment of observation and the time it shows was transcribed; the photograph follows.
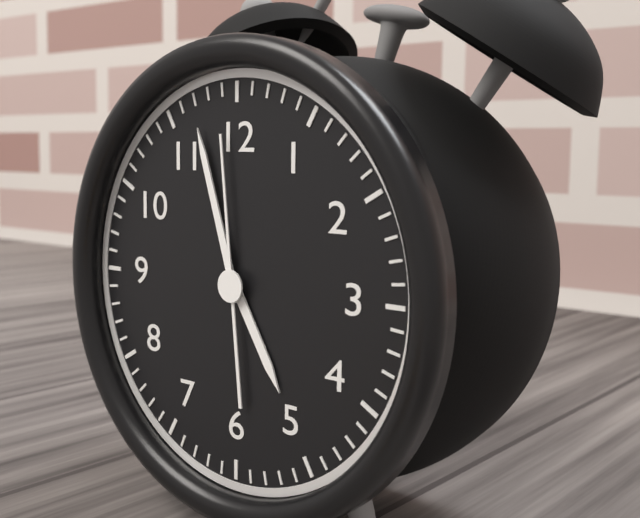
4:57:59
